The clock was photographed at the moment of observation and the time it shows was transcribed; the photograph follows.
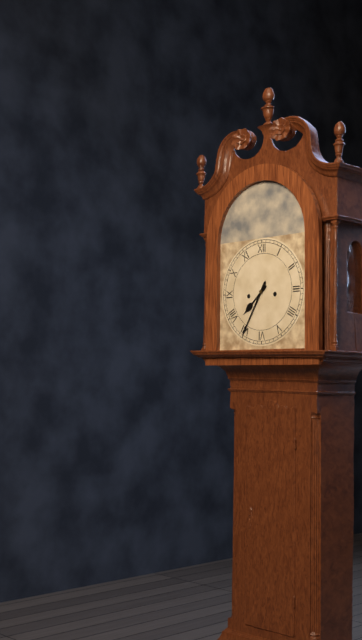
7:35
